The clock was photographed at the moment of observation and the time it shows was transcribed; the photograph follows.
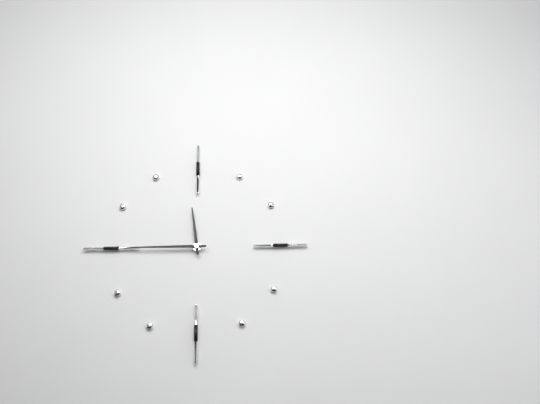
11:45
